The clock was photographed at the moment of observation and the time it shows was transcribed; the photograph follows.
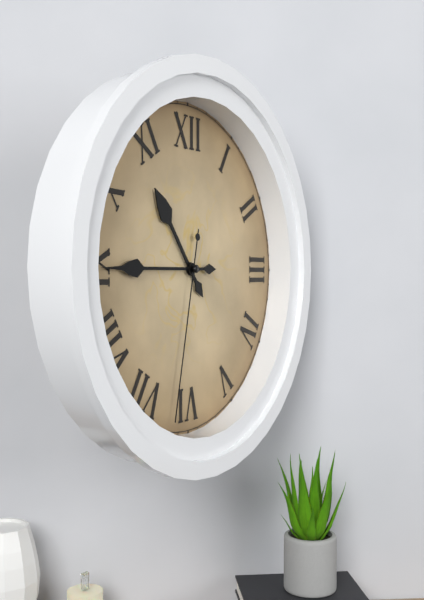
10:45:32
